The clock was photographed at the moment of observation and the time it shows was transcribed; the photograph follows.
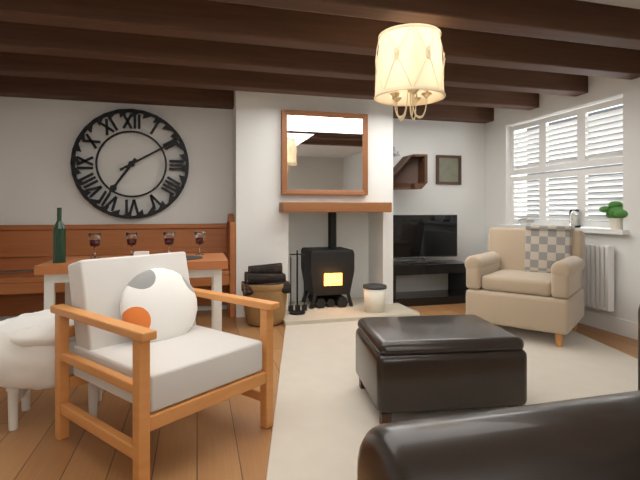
7:10
